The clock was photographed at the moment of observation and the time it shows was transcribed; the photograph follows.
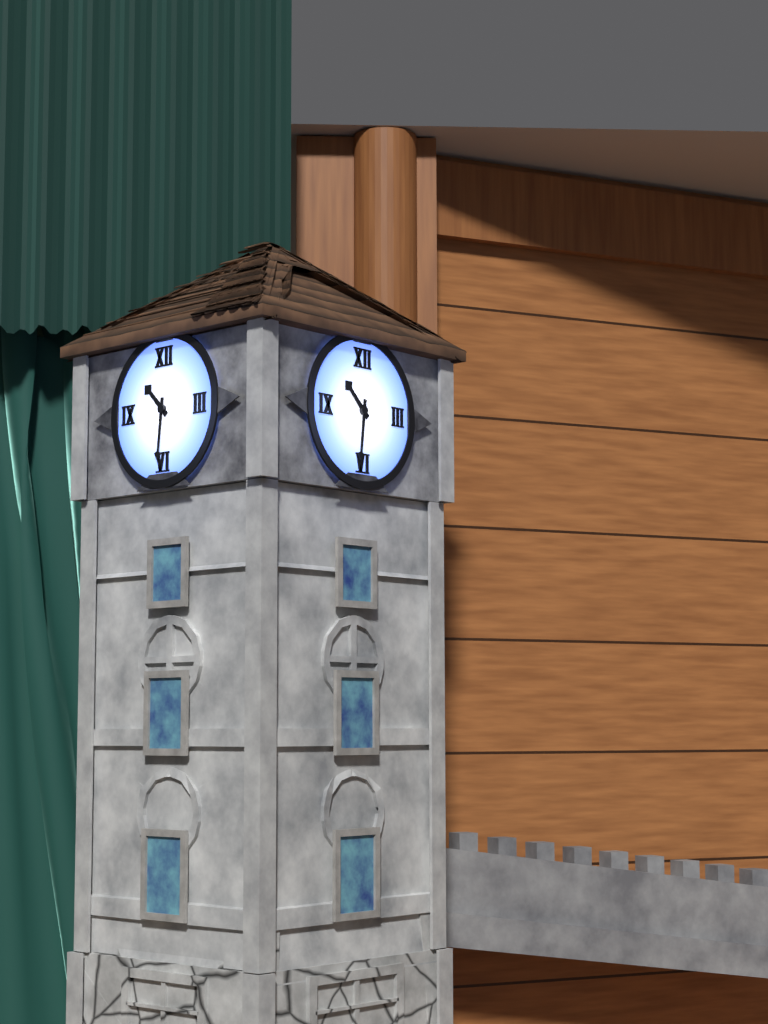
10:31
